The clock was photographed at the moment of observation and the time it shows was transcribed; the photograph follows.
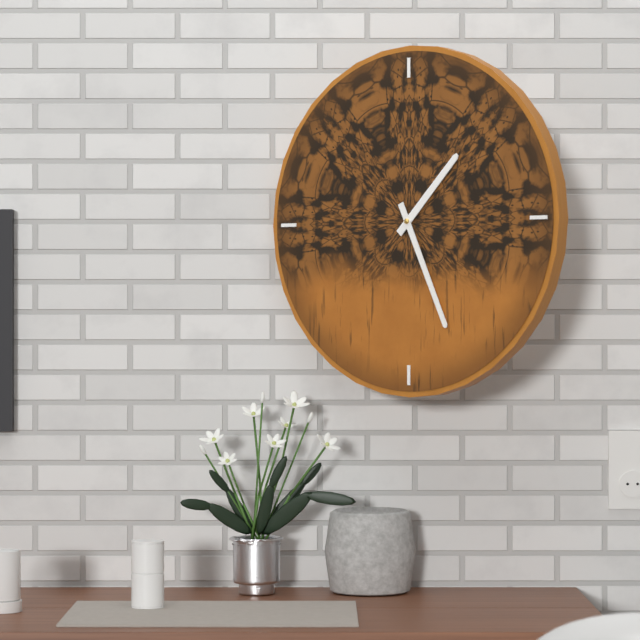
1:26
